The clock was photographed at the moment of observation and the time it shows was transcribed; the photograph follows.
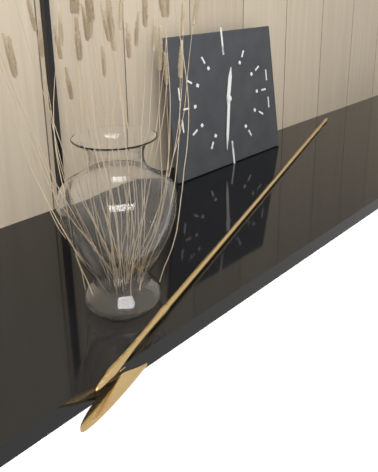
12:32
